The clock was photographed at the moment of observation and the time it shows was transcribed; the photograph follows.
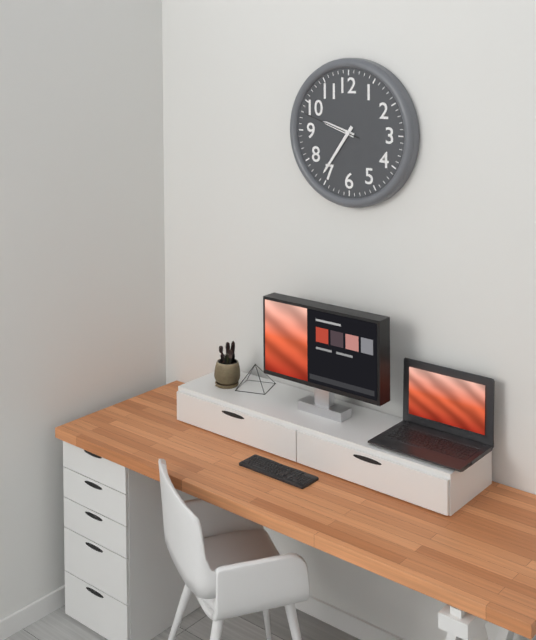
9:36:48
